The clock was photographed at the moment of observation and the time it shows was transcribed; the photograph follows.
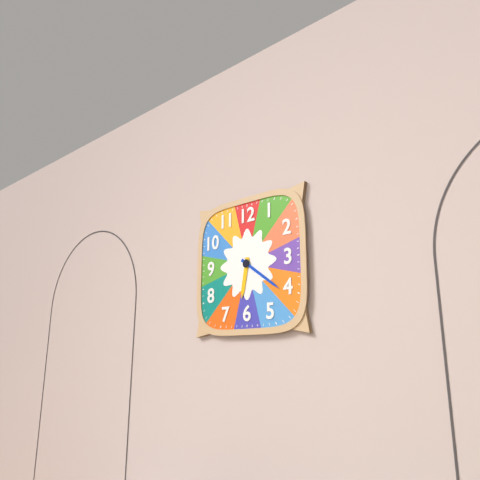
6:21
